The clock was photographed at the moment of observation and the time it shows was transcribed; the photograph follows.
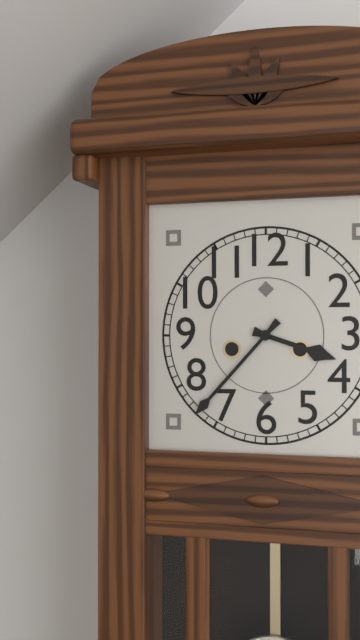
3:37
